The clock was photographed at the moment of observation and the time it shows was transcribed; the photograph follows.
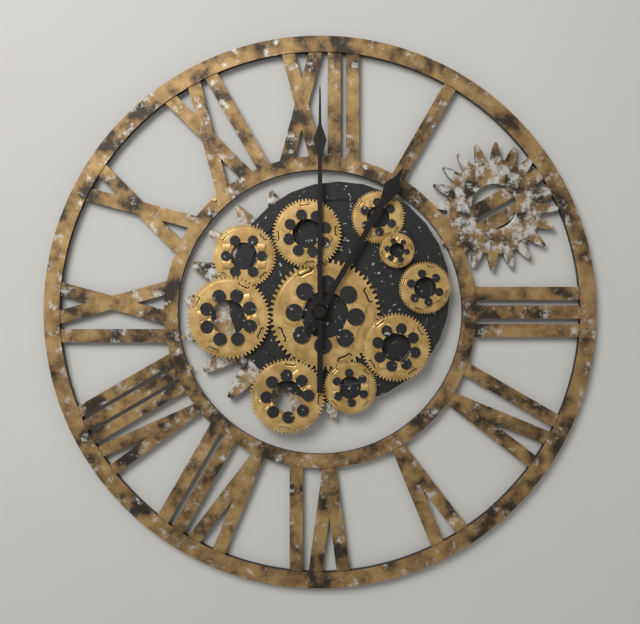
1:00
